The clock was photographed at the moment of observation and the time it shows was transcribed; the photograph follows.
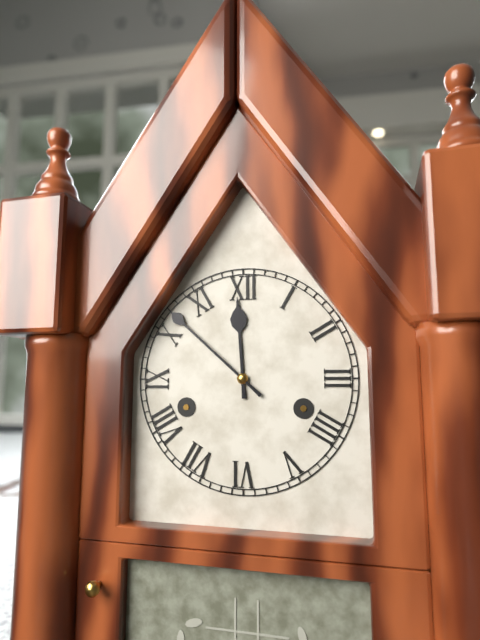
11:52
